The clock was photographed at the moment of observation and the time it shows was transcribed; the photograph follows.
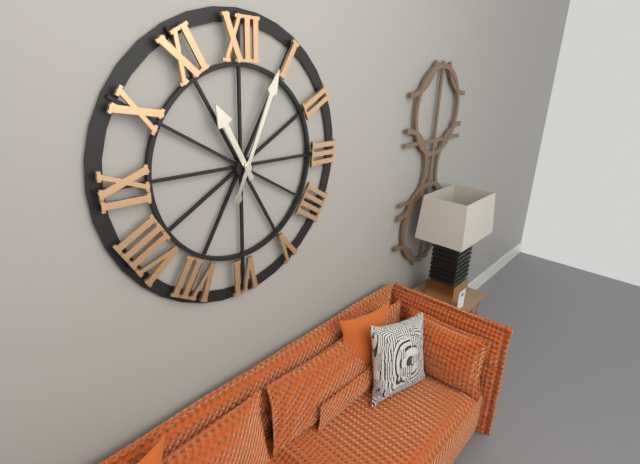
11:04
